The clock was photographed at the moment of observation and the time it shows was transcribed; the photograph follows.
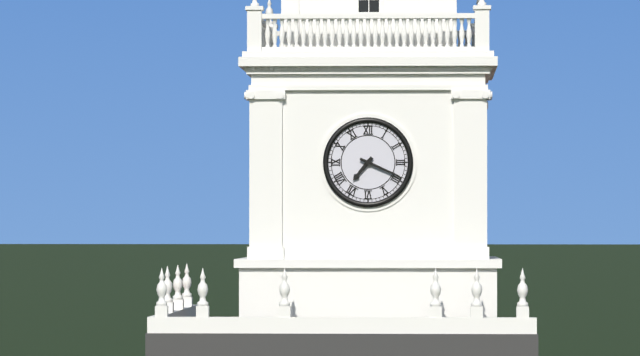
7:19
